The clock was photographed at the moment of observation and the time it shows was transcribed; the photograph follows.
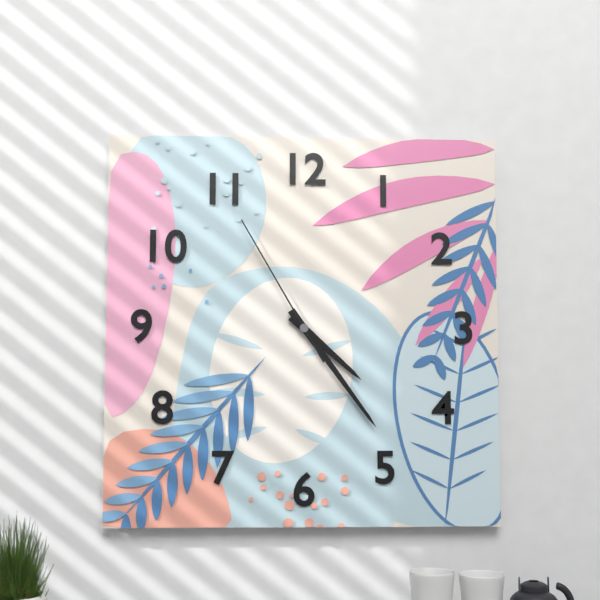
4:24:55
